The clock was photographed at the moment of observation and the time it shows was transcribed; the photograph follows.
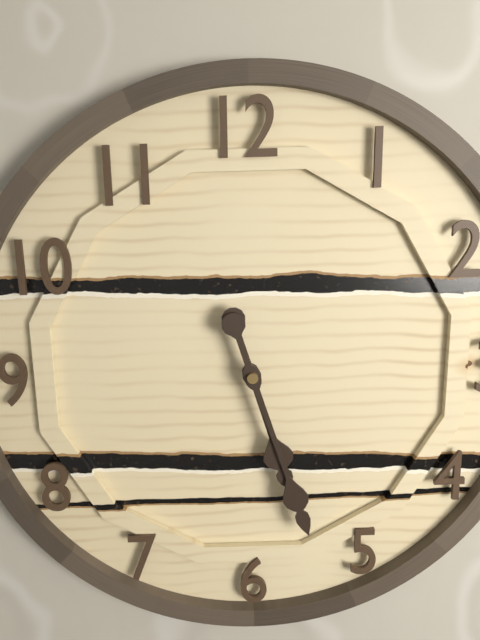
5:27
